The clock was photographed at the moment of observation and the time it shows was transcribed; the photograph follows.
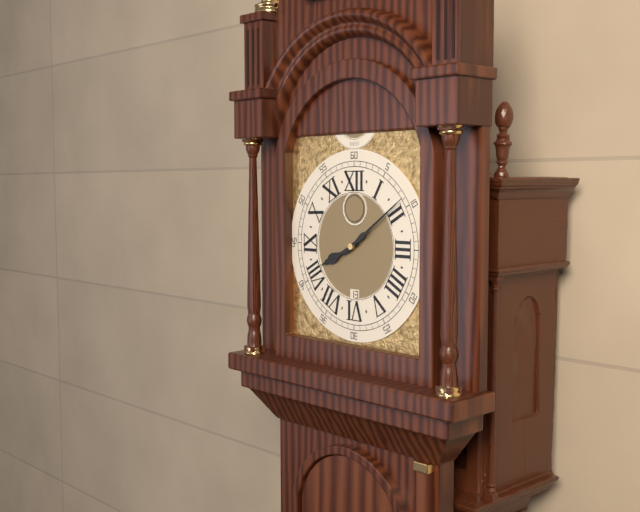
8:09
